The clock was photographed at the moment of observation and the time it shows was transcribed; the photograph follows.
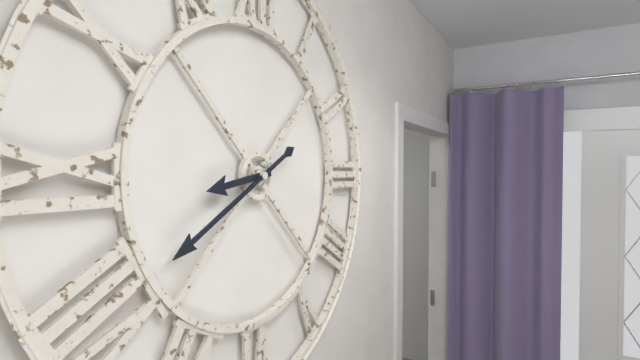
8:40
